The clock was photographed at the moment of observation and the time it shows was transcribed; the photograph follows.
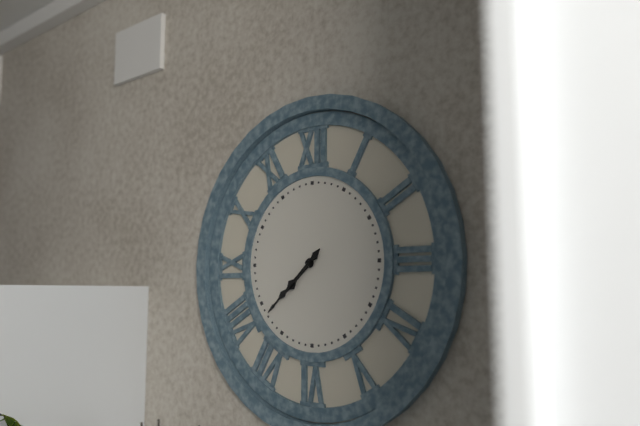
7:38
